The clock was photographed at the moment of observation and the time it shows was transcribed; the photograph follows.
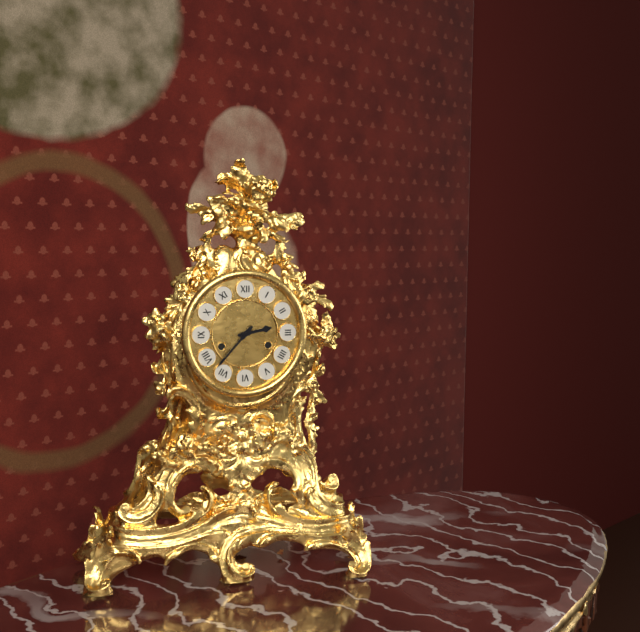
2:37
